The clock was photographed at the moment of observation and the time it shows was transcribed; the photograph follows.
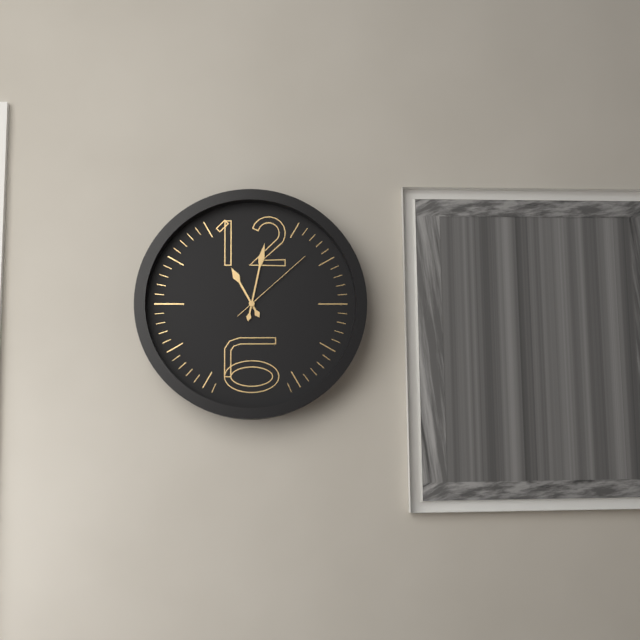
11:02:08
